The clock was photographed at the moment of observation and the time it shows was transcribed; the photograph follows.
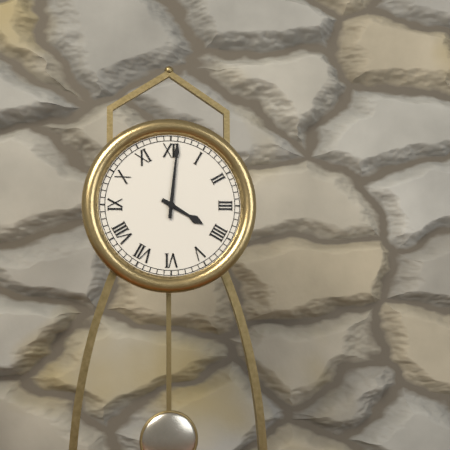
4:01
